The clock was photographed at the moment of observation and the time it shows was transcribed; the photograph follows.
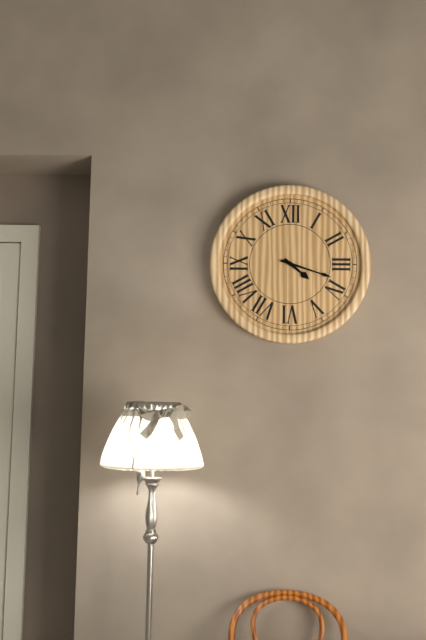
4:18
